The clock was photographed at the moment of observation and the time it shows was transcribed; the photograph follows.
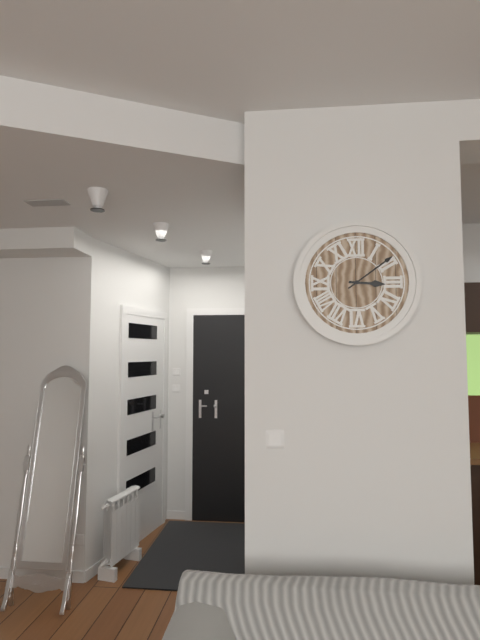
3:09
